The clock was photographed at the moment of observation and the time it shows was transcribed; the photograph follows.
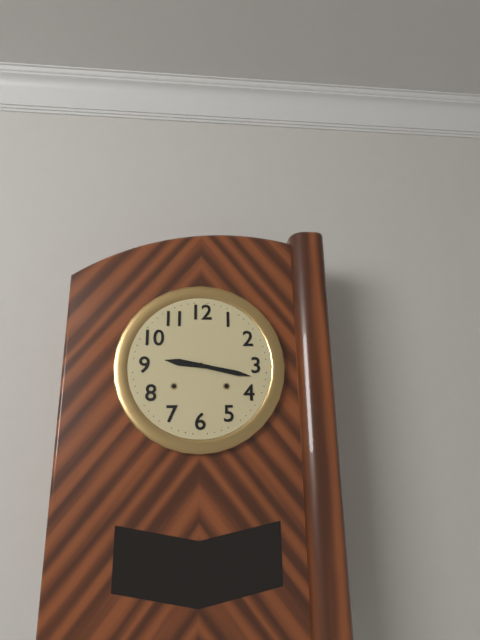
9:17
